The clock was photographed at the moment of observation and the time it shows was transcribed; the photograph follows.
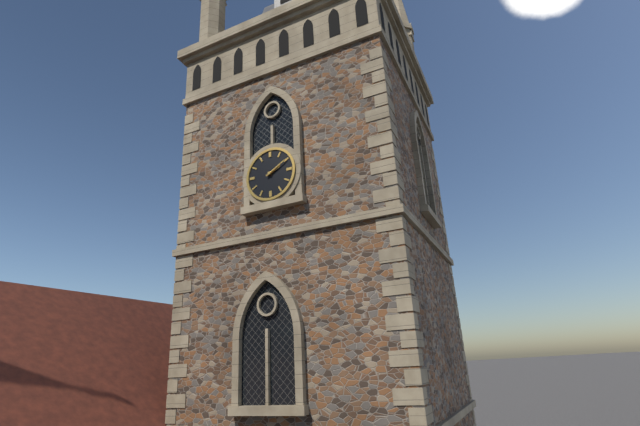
2:10
